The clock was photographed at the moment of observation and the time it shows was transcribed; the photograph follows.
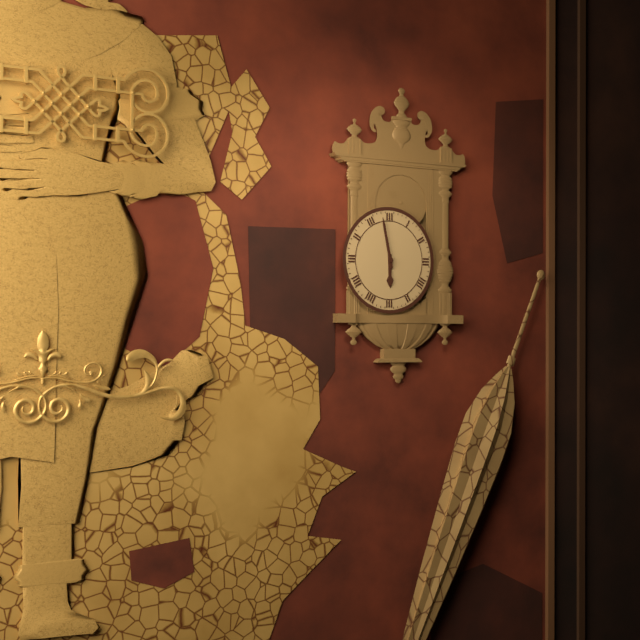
5:58
